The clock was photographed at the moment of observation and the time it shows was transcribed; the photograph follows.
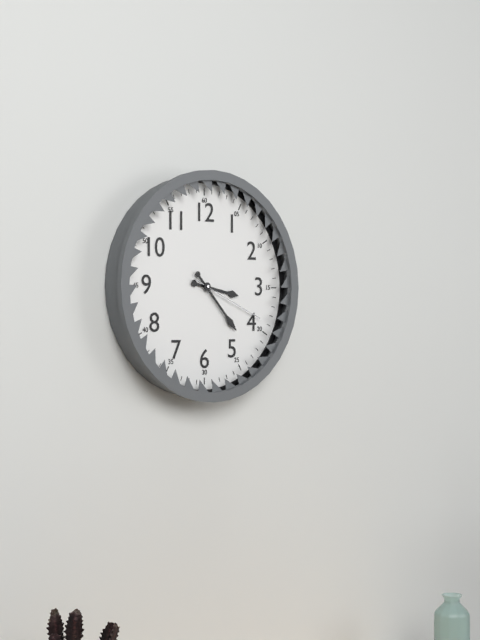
3:23:19
